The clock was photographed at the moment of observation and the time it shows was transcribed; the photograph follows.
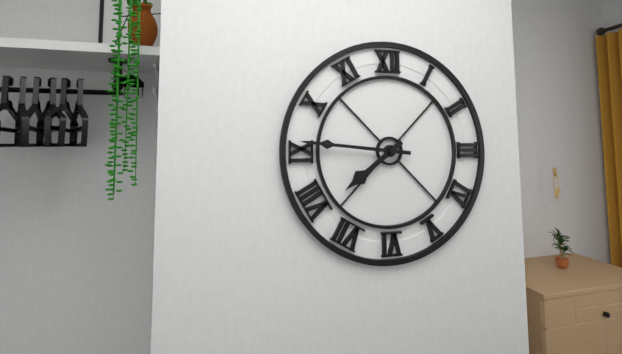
7:46
